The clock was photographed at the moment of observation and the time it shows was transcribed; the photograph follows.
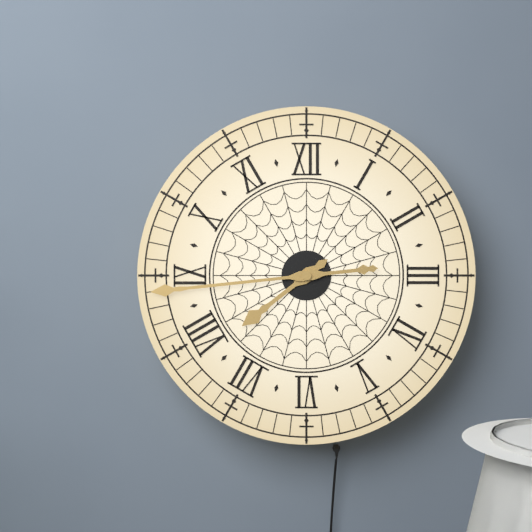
7:44
